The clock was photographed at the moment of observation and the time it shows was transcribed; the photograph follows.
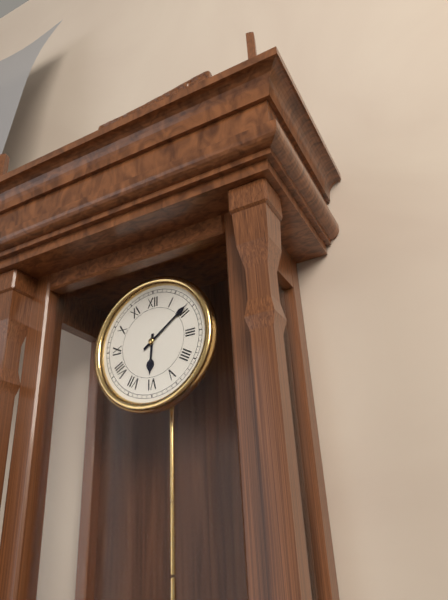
6:09
